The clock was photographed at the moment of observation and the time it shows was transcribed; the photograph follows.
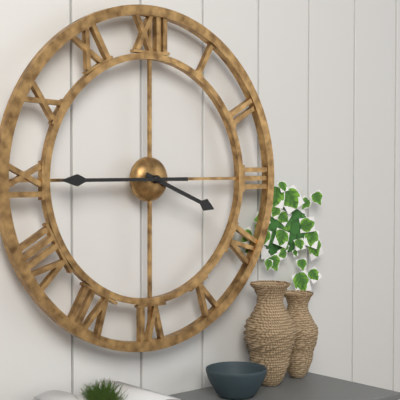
3:45
